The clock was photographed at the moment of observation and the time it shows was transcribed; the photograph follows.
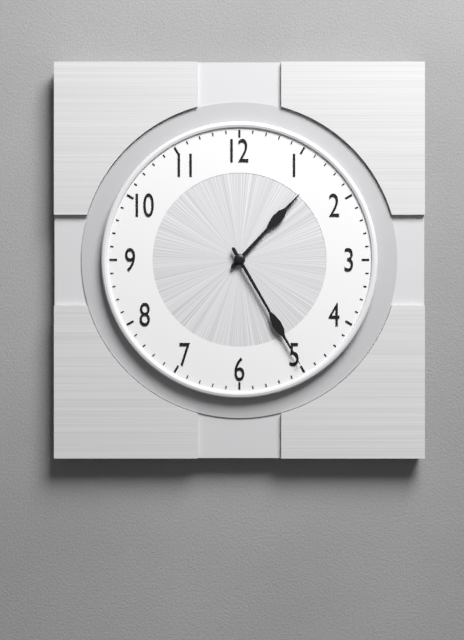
1:25
